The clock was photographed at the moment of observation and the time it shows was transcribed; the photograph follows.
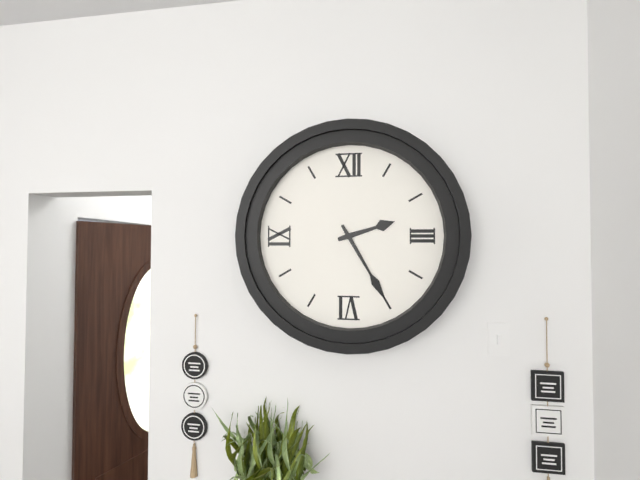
2:25
